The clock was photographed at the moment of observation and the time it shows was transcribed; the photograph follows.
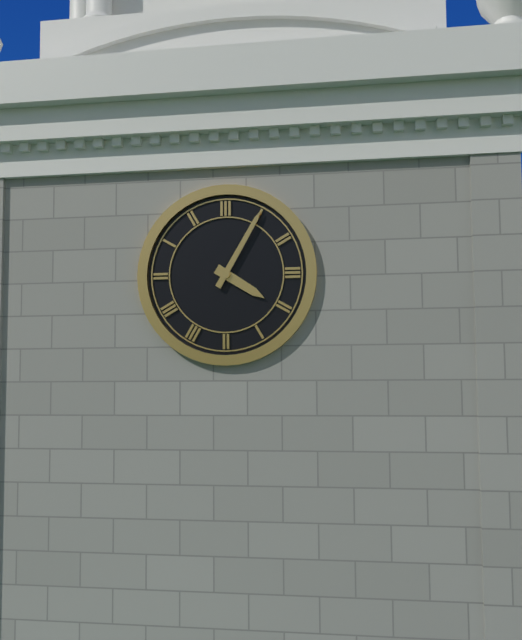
4:05
